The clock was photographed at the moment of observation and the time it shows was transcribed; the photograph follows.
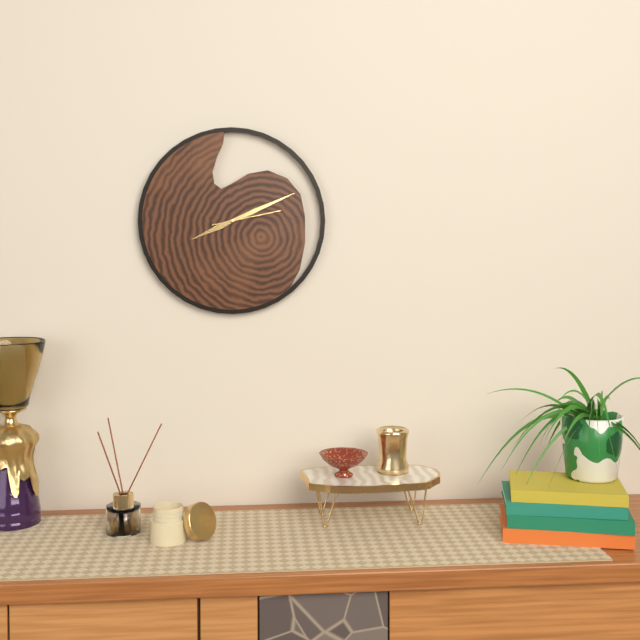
8:11:13
